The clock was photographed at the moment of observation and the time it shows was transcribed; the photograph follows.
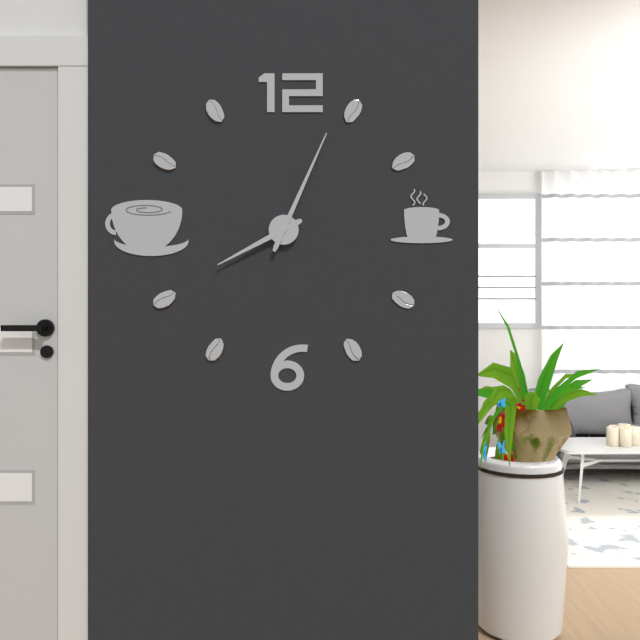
8:04
